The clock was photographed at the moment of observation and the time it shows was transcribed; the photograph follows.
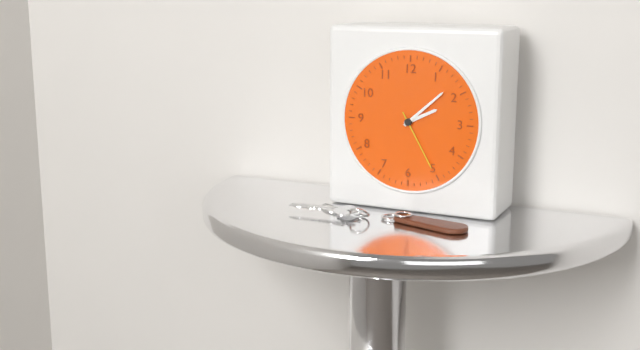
2:08:25
